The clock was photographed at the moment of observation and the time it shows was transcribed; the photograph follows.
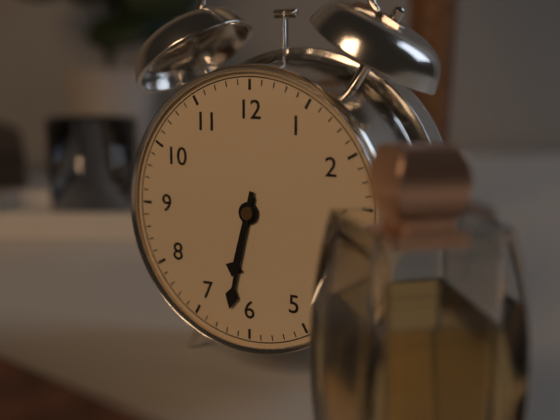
6:32
